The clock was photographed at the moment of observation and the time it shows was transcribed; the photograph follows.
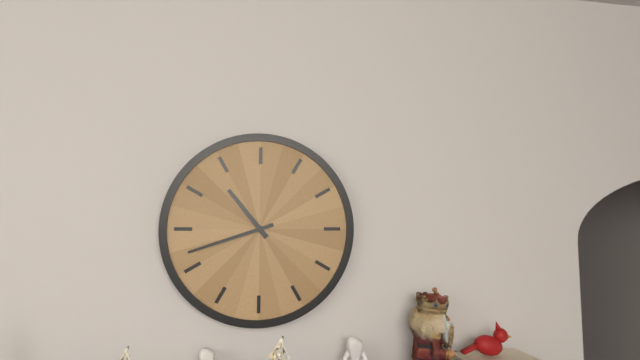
10:42
